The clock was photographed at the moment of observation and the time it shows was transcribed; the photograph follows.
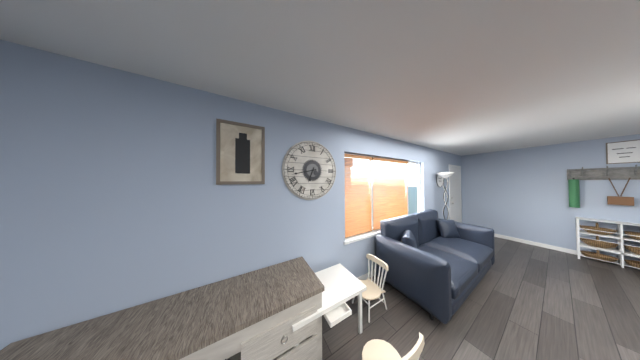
6:43
